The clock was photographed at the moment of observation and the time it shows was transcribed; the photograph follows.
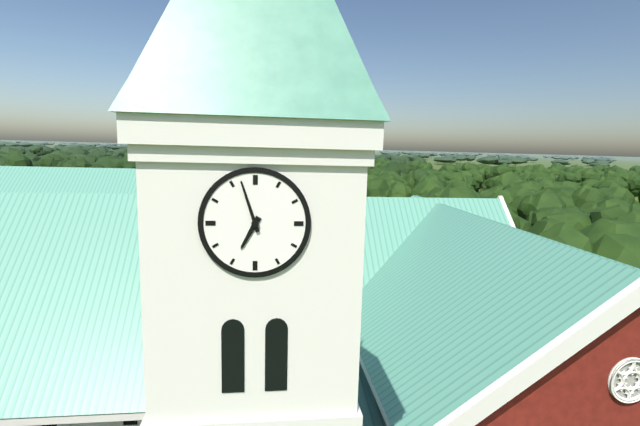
6:57
